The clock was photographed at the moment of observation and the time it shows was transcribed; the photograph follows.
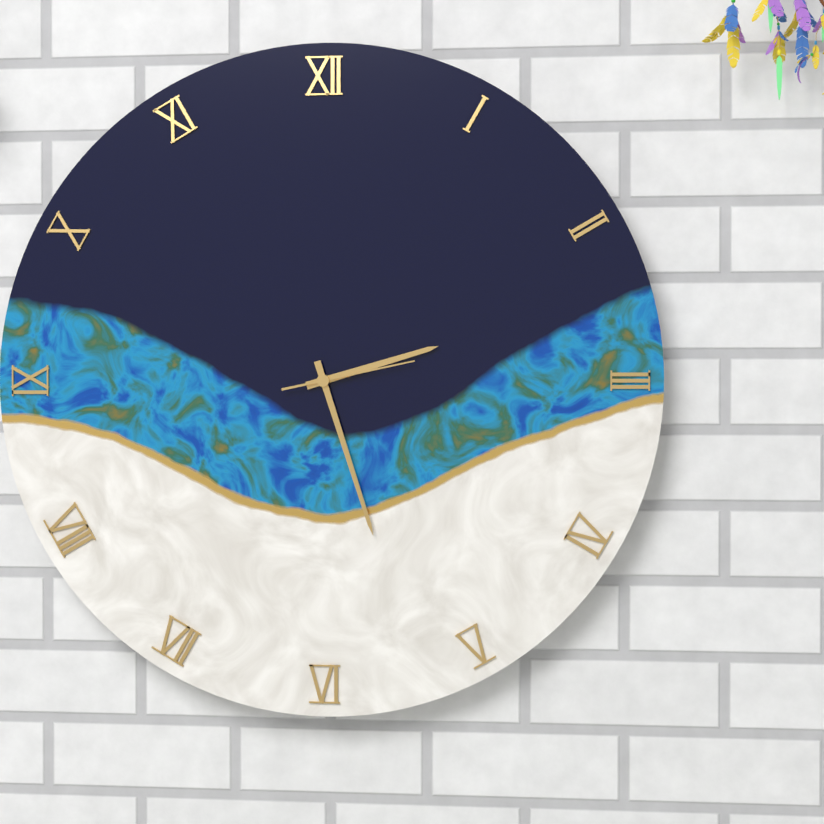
2:27:13
